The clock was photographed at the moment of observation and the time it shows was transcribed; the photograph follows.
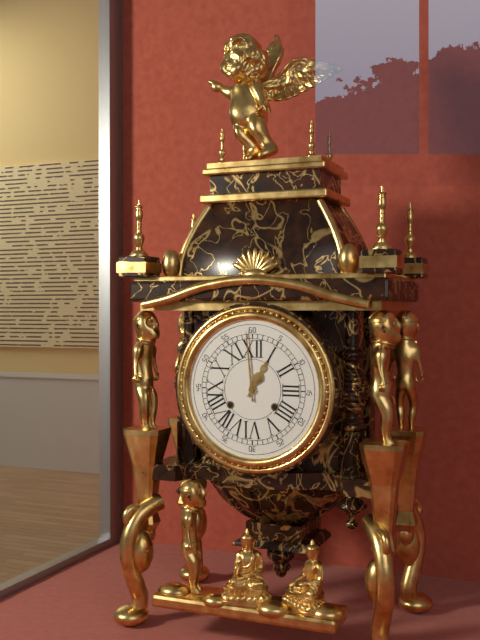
12:59
